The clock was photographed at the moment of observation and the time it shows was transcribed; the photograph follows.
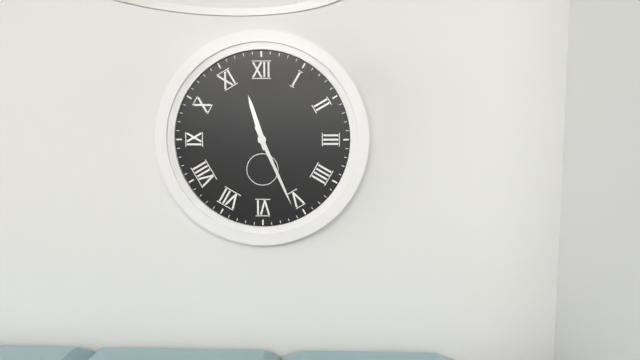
11:26
